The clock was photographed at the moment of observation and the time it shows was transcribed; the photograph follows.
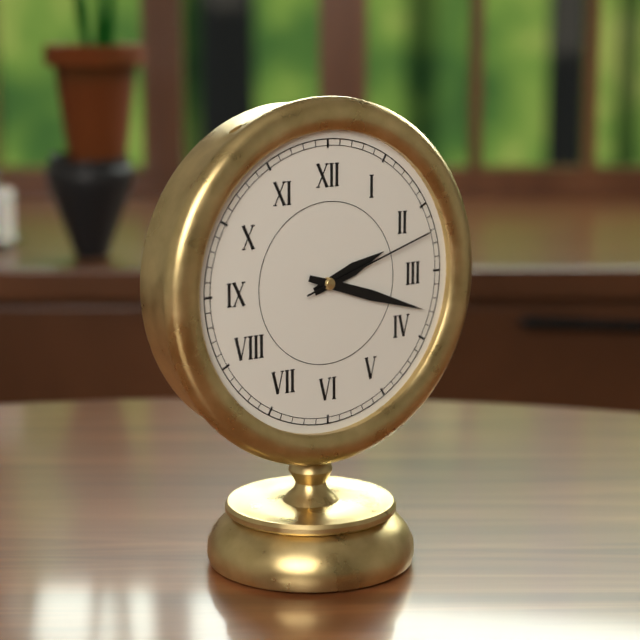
2:18:12
